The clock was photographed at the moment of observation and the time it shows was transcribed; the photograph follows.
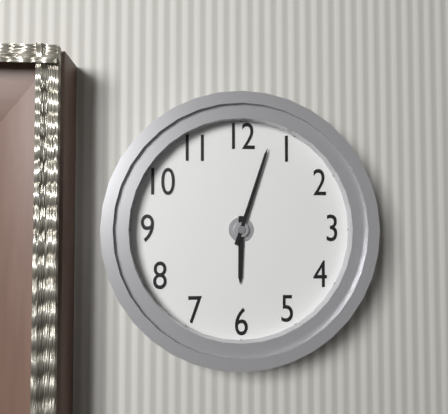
6:03
